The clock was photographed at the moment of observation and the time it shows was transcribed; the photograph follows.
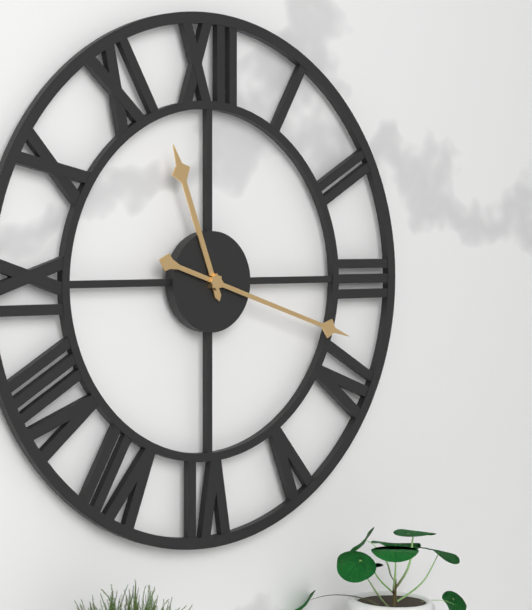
11:18
